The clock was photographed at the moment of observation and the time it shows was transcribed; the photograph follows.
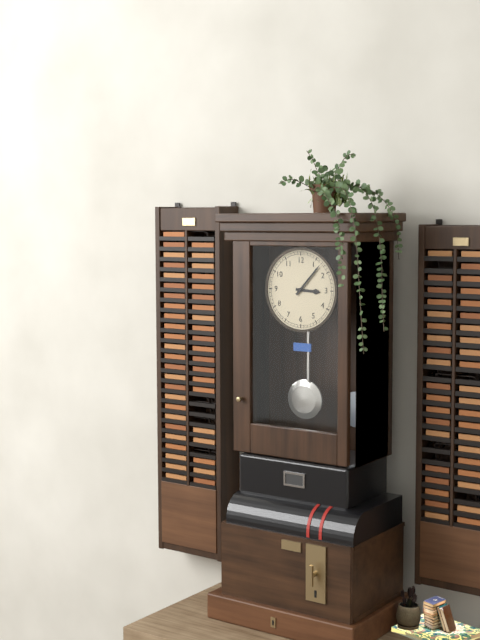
3:07
